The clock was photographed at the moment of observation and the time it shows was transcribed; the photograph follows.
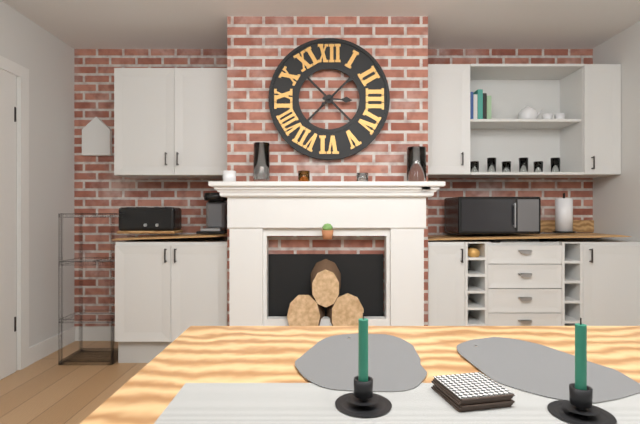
3:08
